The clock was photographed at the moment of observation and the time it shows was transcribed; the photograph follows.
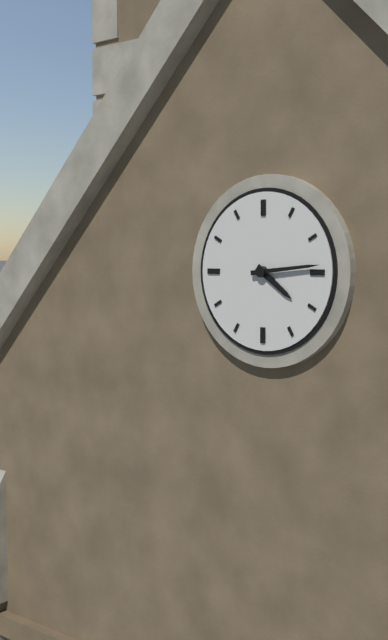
4:14
